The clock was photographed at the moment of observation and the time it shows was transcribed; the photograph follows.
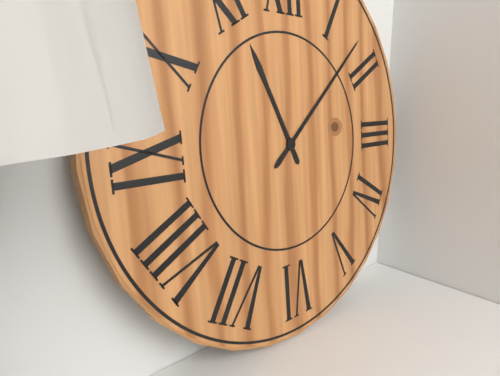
11:08
